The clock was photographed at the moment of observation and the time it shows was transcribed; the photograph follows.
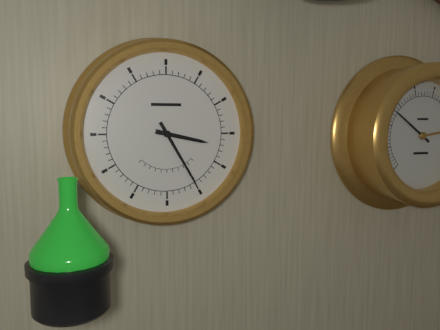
3:25
